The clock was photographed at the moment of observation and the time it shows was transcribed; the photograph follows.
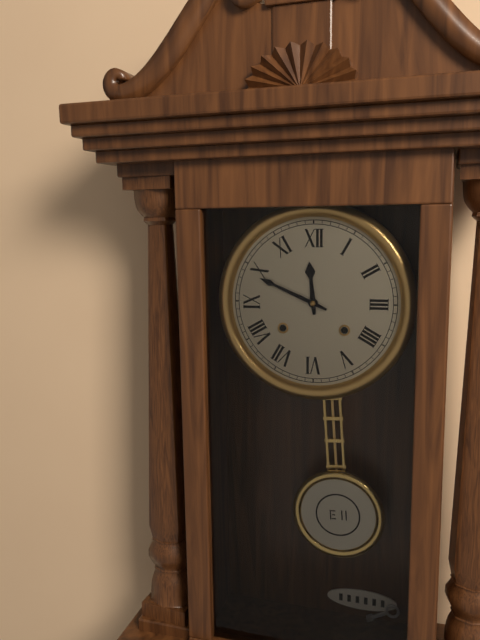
11:49
